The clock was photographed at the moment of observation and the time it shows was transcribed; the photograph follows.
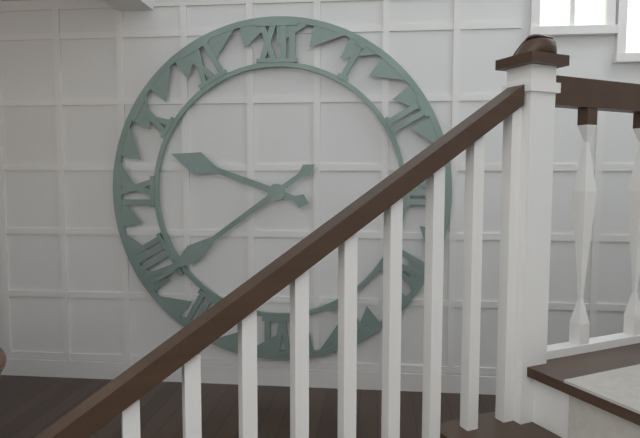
9:39
